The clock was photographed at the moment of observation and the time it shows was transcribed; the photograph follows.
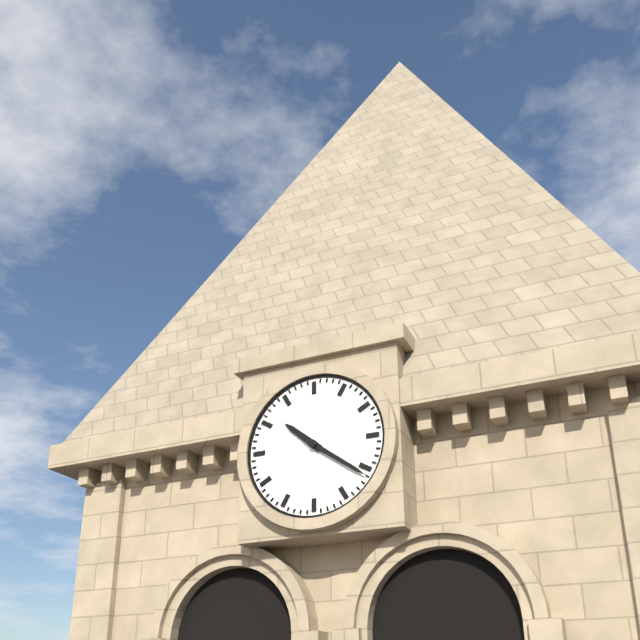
10:21
